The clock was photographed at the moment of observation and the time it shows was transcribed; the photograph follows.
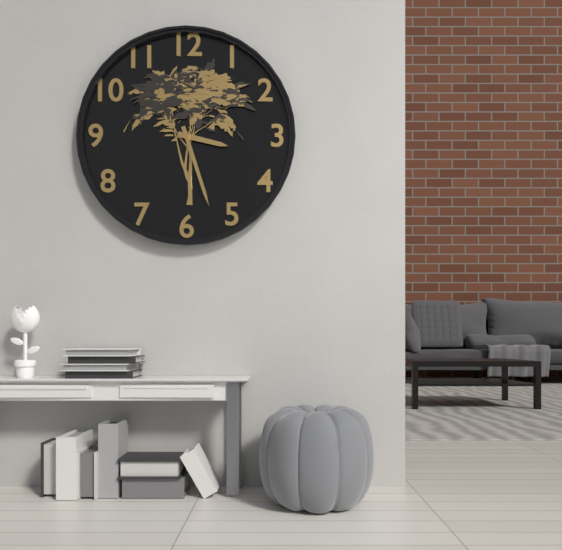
3:27
